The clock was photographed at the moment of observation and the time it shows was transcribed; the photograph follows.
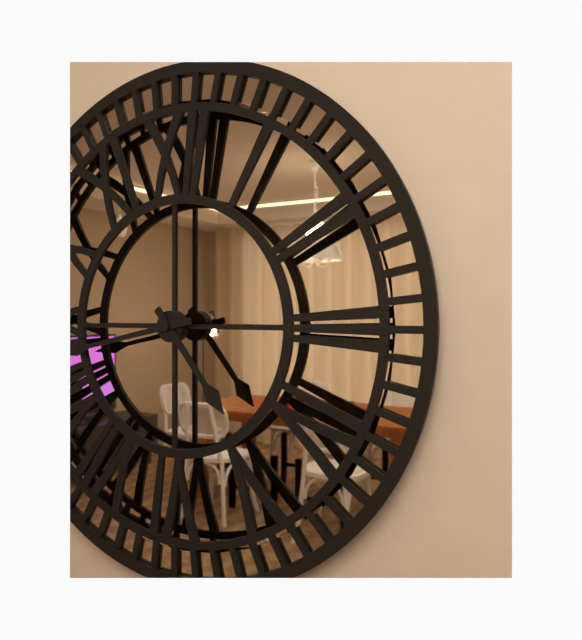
4:43
